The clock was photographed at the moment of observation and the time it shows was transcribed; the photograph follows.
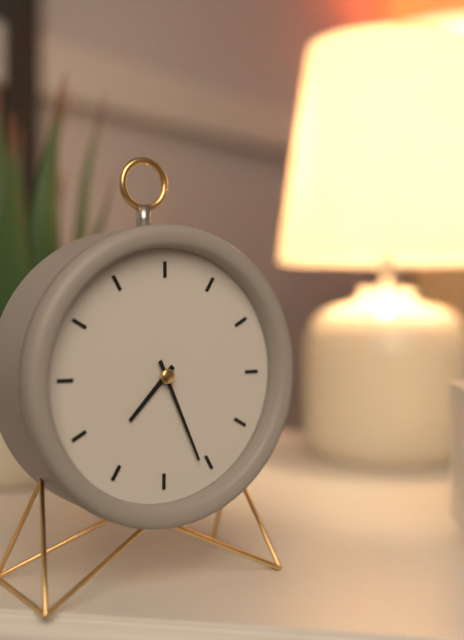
7:26
